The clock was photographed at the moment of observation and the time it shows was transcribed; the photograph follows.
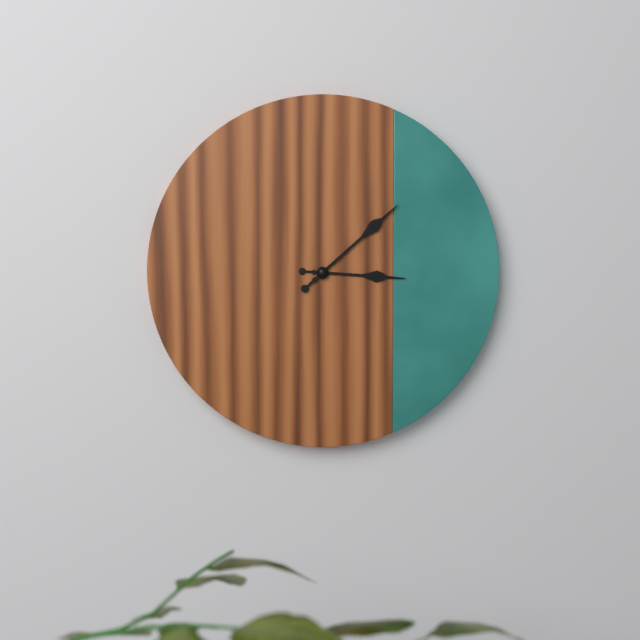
3:08
